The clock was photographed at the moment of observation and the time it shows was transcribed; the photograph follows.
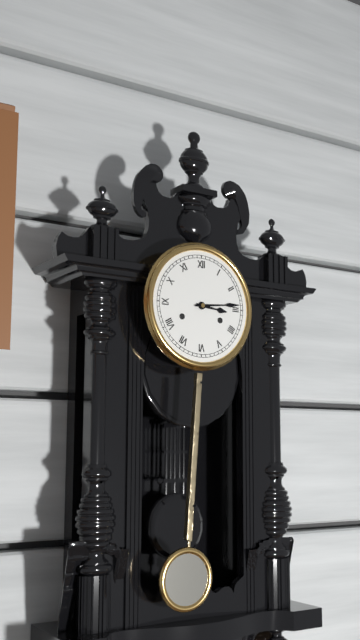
3:14
